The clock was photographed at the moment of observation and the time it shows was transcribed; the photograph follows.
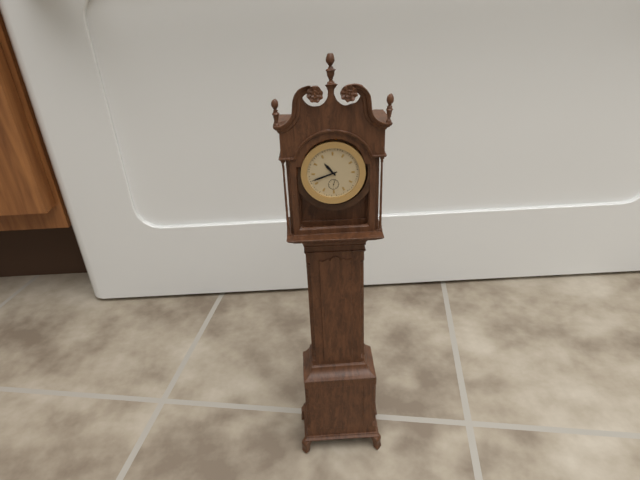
10:42
